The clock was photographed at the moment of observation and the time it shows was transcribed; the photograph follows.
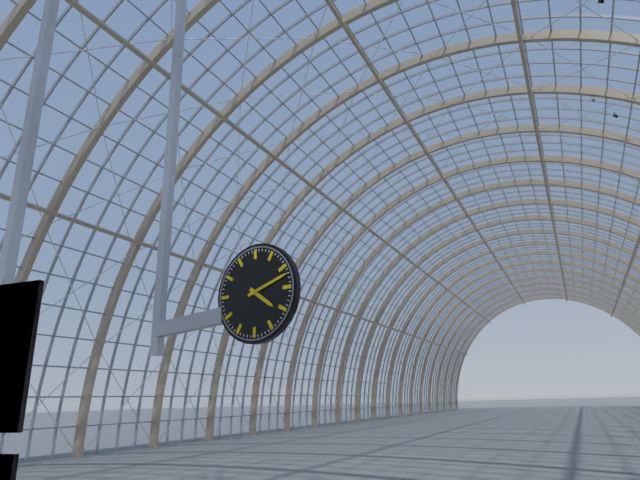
4:12
